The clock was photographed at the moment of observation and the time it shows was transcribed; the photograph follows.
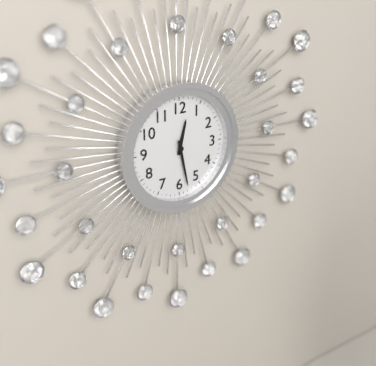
12:28
